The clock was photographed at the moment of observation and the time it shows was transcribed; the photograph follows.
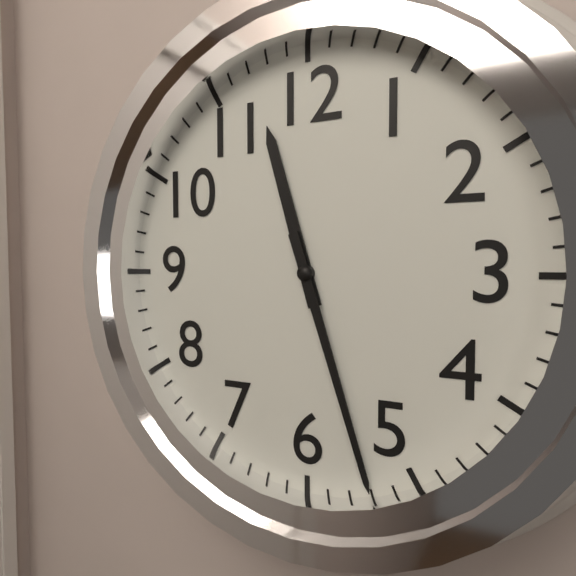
11:27
